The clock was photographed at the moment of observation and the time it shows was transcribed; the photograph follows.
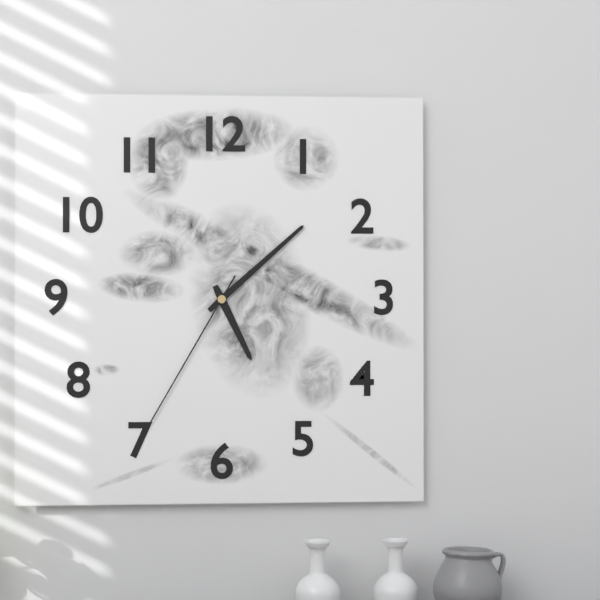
5:08:35
